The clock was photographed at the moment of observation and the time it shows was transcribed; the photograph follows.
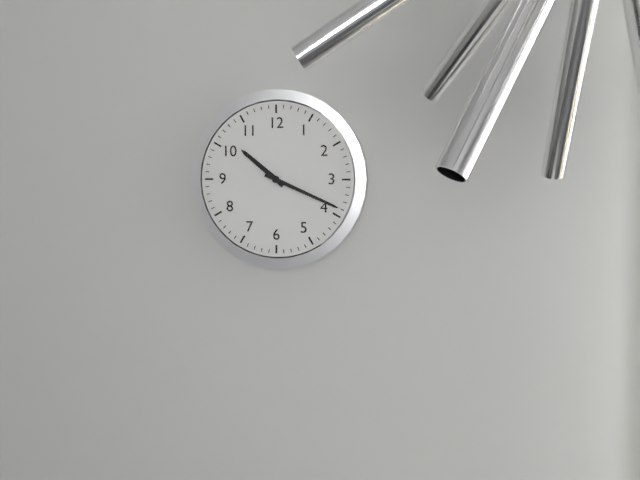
10:19
